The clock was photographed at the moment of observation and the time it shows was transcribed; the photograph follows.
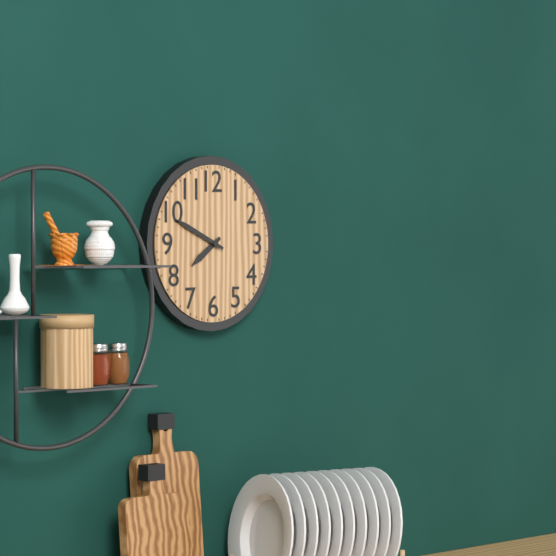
7:49
